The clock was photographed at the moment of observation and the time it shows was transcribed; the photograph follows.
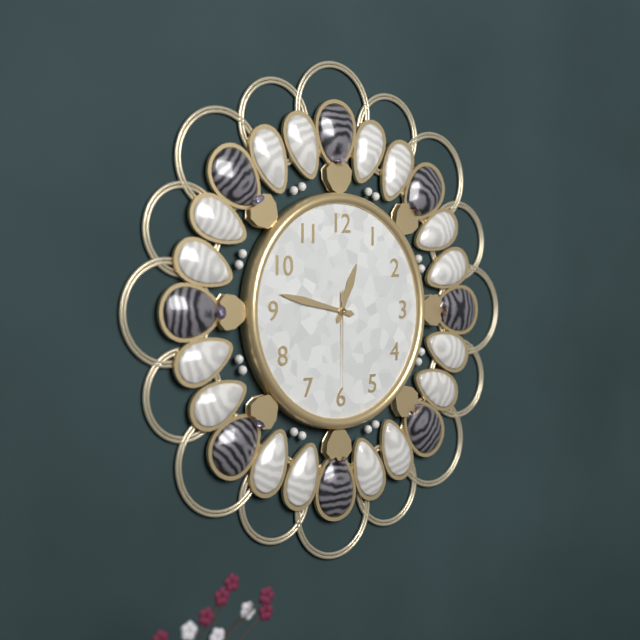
12:47:30
